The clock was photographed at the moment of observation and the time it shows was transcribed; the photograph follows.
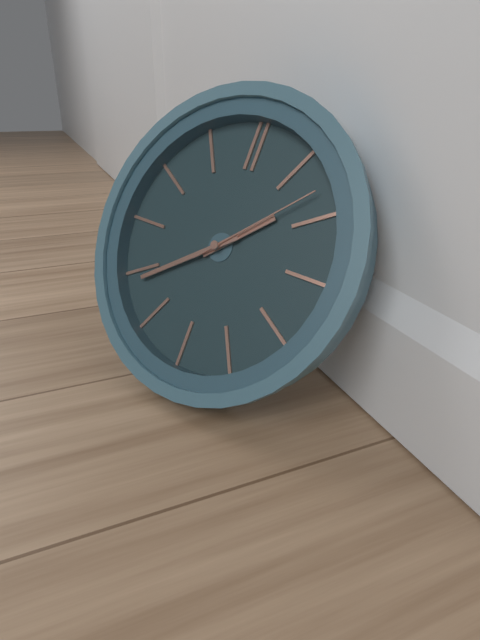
1:39:08
